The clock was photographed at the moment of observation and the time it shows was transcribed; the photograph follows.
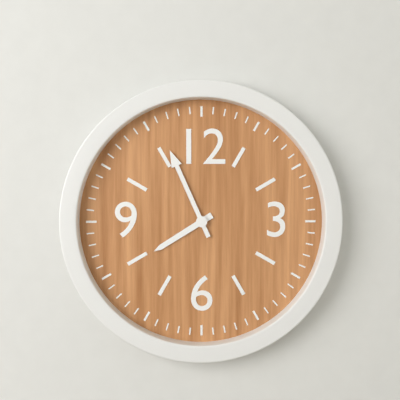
7:56
